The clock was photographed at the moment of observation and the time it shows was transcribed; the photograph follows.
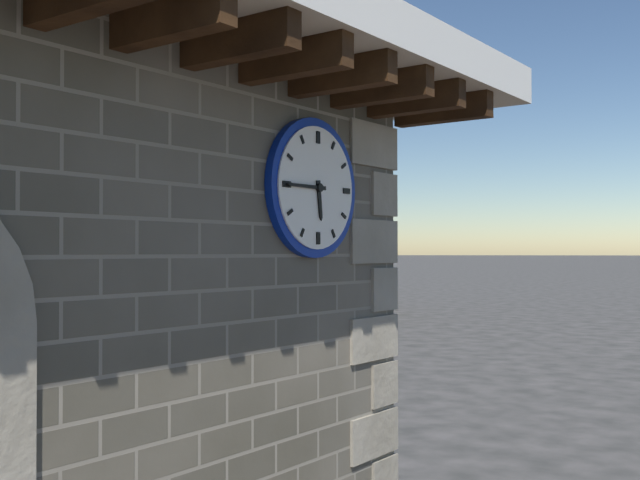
5:45
